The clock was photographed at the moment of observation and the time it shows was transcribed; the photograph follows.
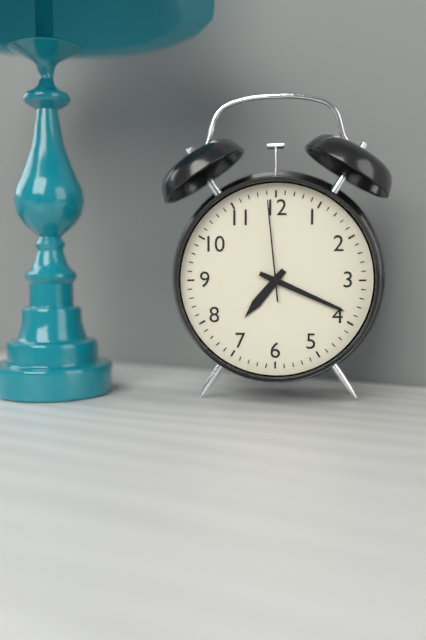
7:19:59
